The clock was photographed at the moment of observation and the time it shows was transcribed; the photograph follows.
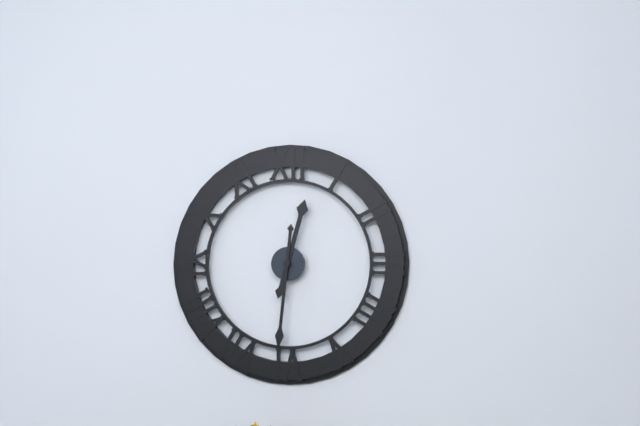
12:31
